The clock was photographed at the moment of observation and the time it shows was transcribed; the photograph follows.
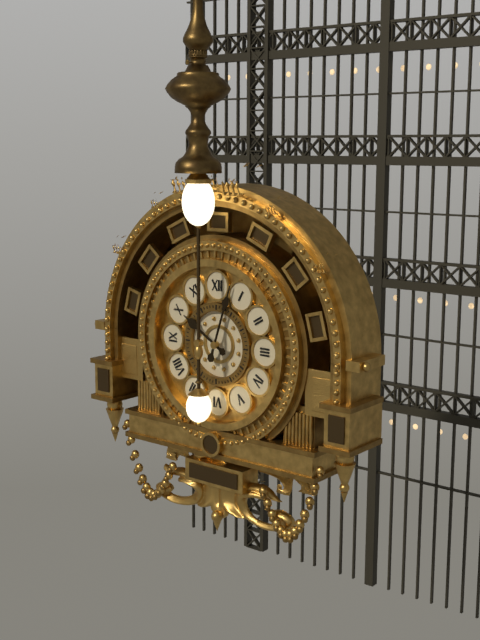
10:03
